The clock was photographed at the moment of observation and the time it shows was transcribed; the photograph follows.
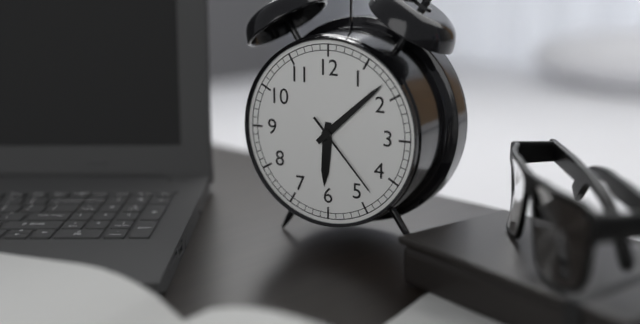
6:08:23
